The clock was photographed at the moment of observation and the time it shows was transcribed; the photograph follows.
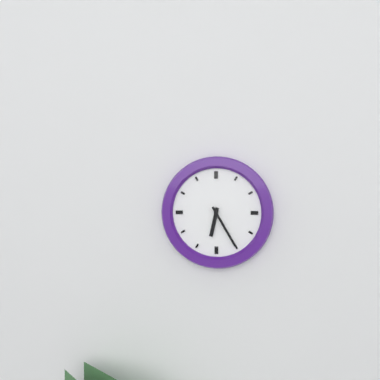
6:25
